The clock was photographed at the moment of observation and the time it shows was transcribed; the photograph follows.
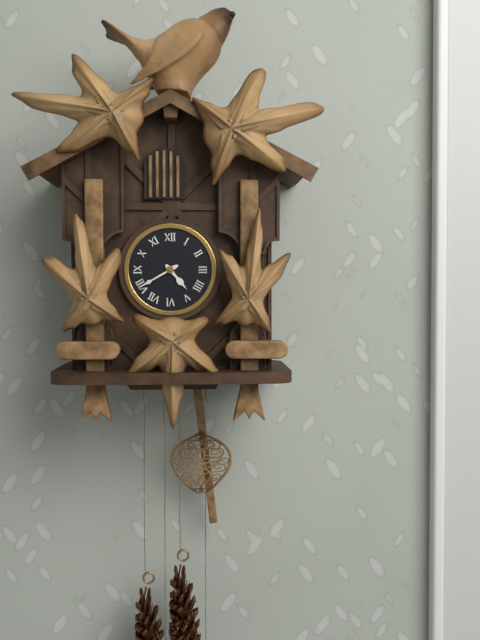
4:40
